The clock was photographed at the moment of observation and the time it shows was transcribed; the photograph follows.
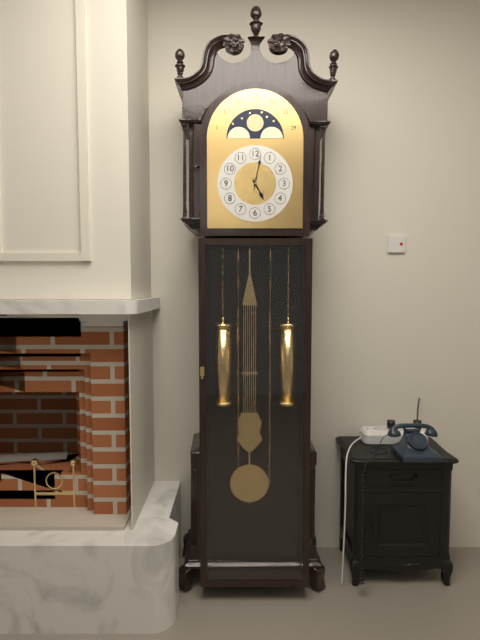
5:02
